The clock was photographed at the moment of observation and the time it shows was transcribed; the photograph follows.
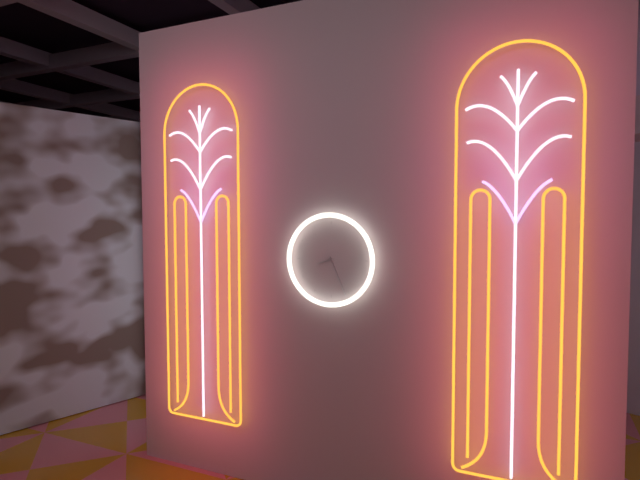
8:26
